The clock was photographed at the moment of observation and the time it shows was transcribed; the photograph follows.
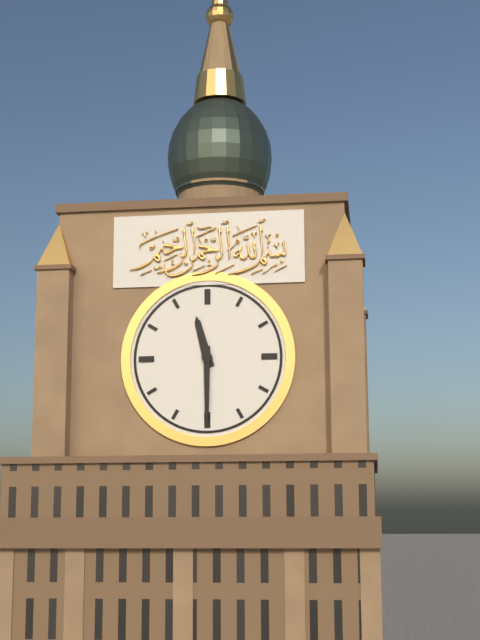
11:30
